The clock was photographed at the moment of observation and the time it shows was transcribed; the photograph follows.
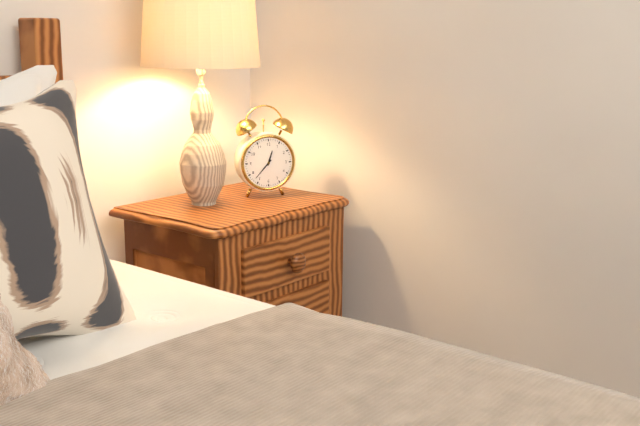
12:37
